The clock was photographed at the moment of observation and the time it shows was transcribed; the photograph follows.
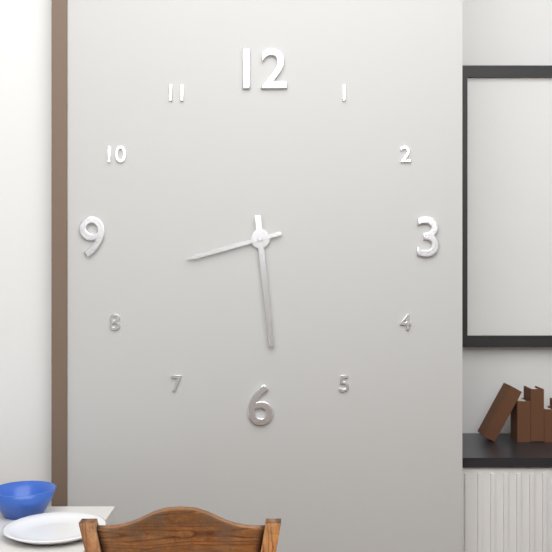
8:29
